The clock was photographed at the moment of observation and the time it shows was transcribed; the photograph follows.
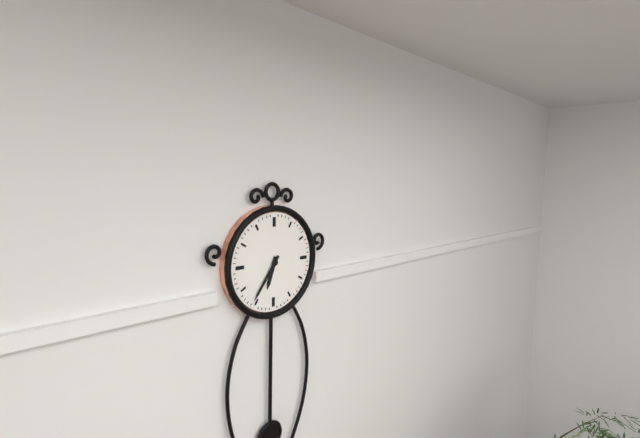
6:36
